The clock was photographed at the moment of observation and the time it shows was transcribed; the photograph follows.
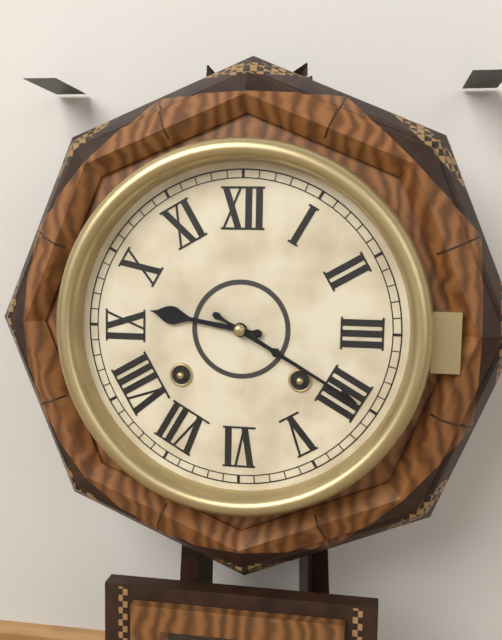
9:20
